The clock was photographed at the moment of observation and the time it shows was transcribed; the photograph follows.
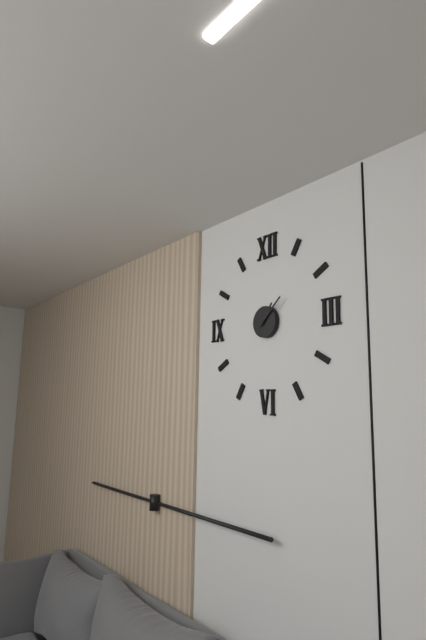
1:08
